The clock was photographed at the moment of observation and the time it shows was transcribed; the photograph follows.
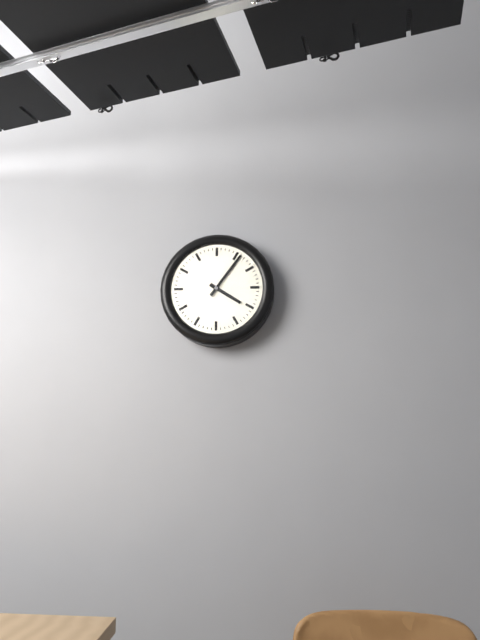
4:06
